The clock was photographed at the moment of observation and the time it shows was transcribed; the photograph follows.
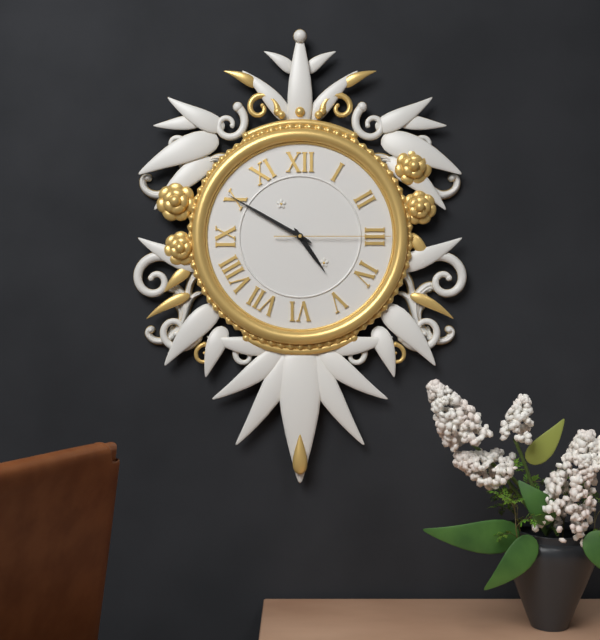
4:50:15
